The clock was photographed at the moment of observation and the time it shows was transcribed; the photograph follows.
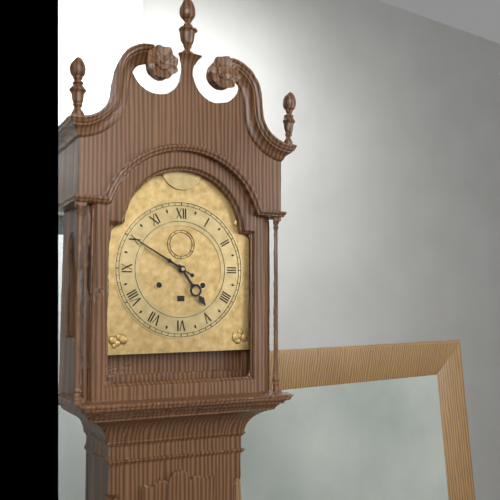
4:50
